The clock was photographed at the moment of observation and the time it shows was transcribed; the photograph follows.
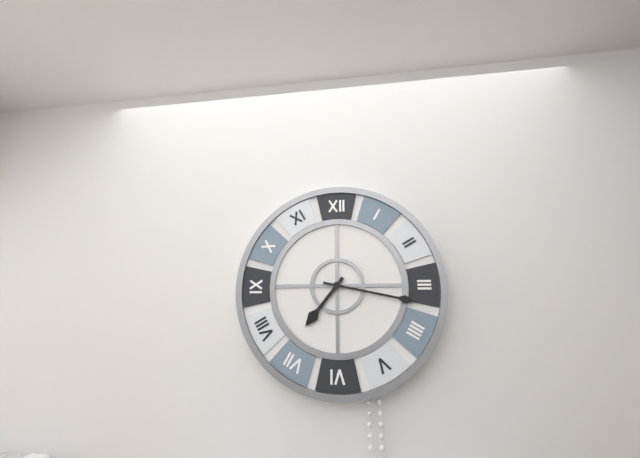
7:17
